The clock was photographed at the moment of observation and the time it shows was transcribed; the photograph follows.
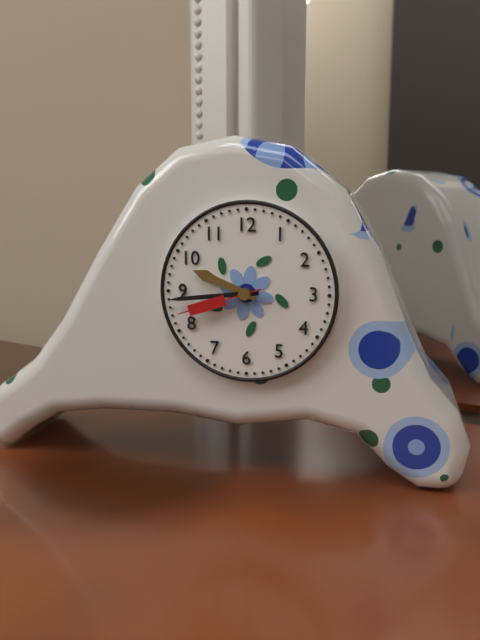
9:44:42
